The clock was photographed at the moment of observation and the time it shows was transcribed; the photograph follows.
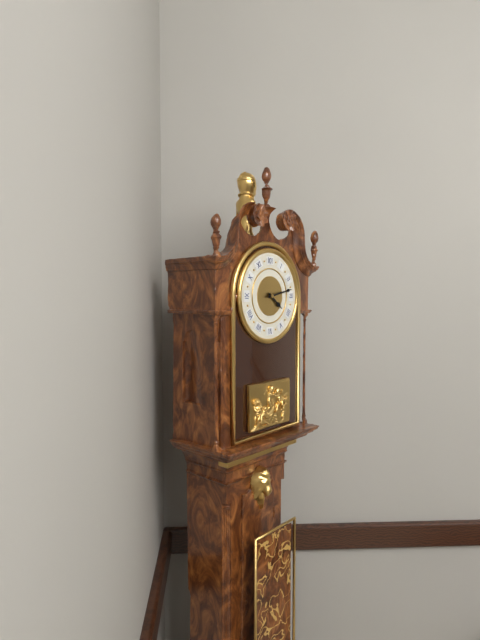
4:13
